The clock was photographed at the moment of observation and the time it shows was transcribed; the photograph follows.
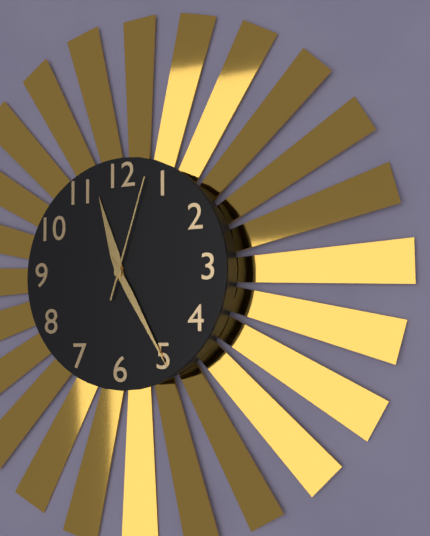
11:25:03
